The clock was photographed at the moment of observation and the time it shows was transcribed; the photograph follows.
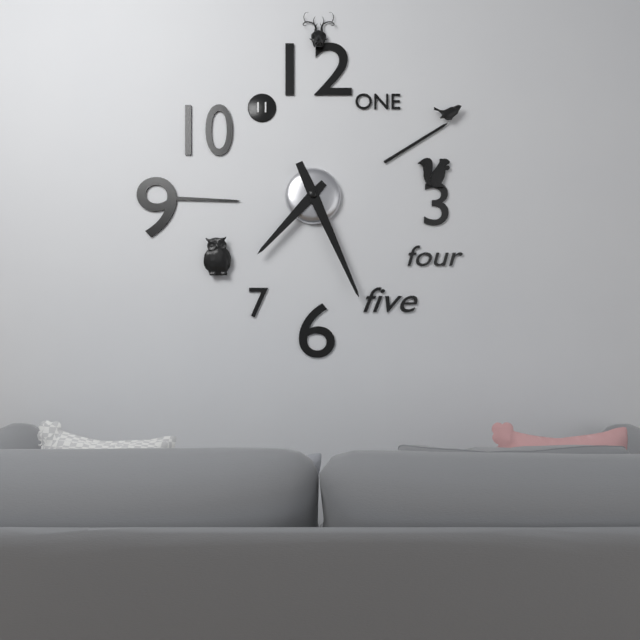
7:26
